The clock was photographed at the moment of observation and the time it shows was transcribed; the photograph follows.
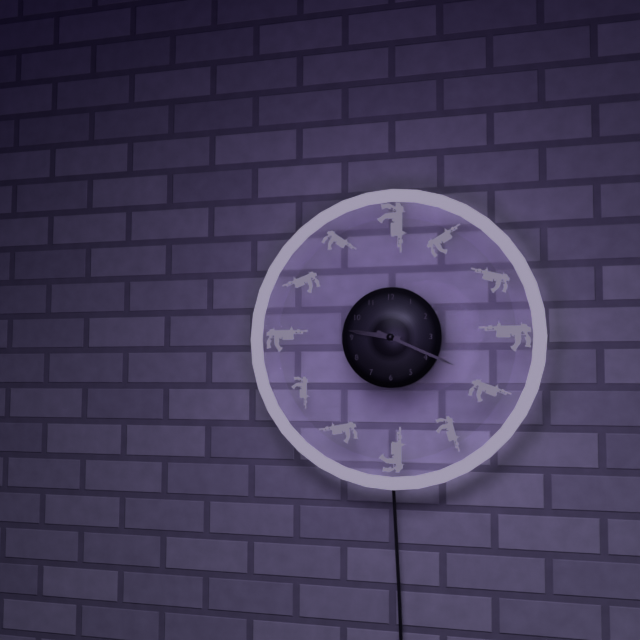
9:19
